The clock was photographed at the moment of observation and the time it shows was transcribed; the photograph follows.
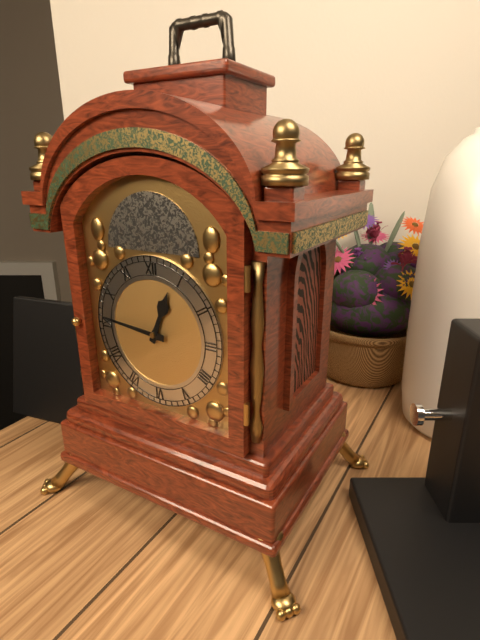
12:46
